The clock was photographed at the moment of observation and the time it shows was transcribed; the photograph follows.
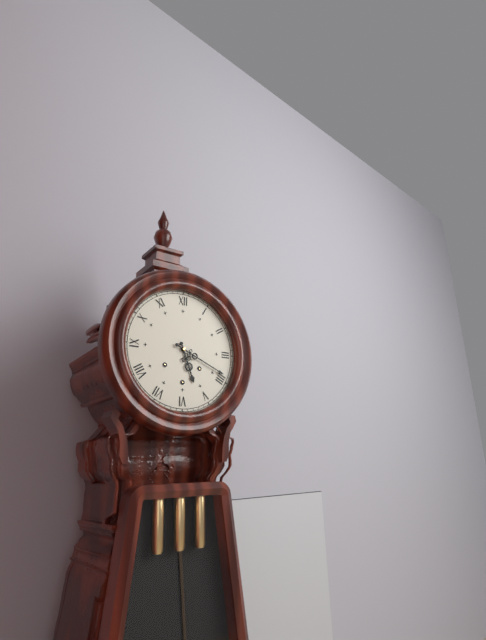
5:19
